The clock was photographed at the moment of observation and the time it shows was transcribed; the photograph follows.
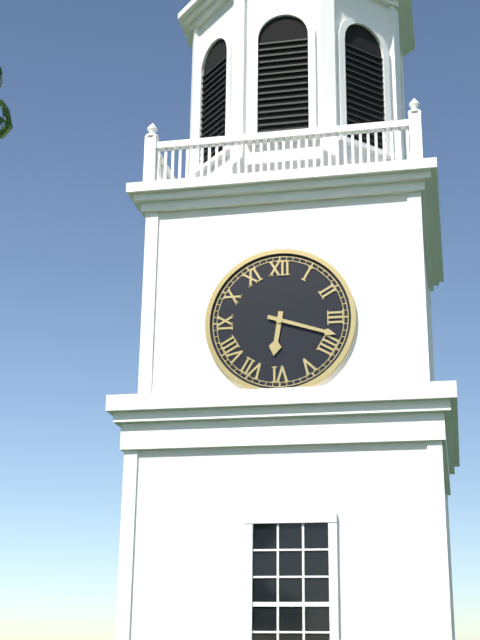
6:18
